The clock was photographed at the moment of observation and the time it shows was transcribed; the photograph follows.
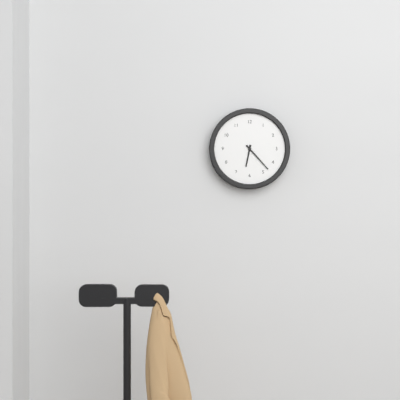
6:23
